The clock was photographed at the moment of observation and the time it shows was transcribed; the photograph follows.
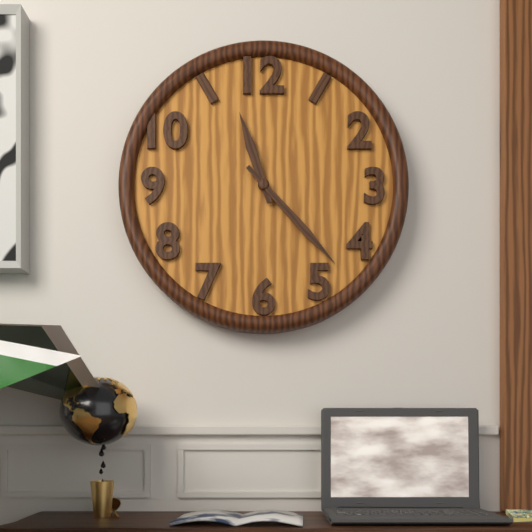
11:23
